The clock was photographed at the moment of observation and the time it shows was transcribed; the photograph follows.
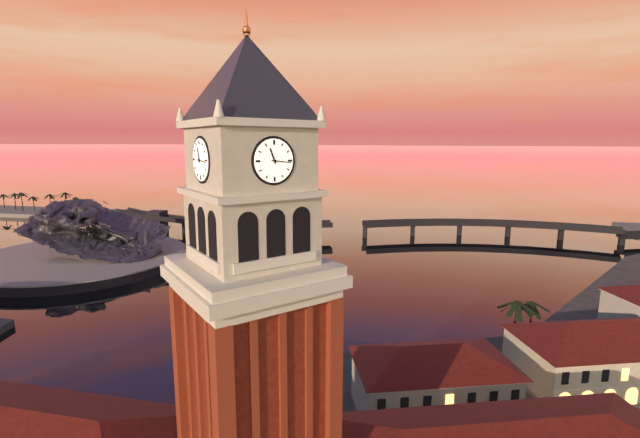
11:16
